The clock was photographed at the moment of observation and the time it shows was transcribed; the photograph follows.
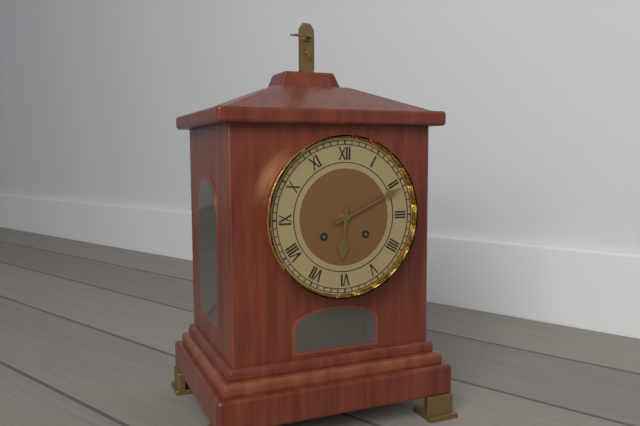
6:11
